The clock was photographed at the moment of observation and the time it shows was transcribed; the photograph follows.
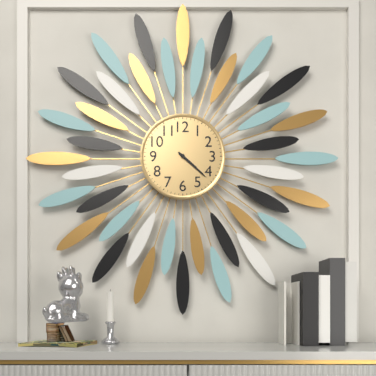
4:22
